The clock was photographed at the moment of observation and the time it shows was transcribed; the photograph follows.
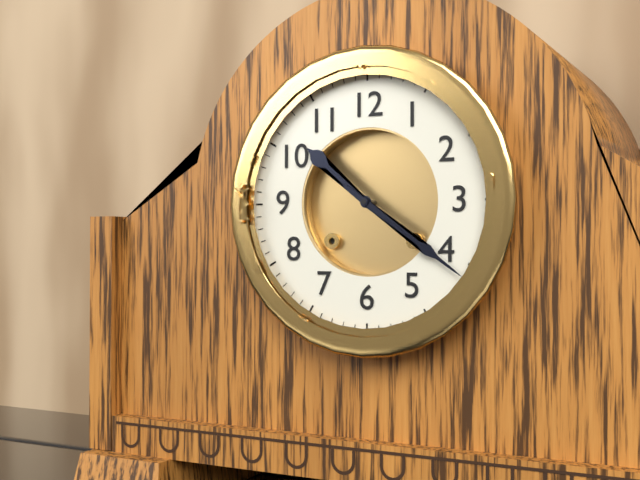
10:21
